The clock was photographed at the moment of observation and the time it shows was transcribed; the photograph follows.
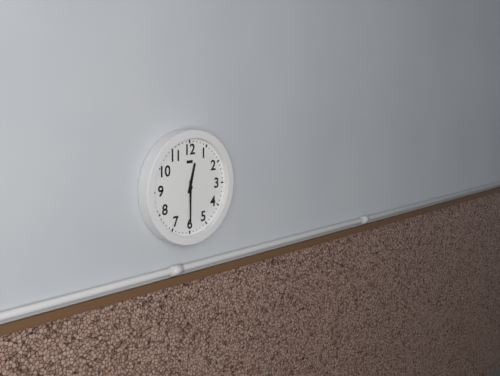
12:30
